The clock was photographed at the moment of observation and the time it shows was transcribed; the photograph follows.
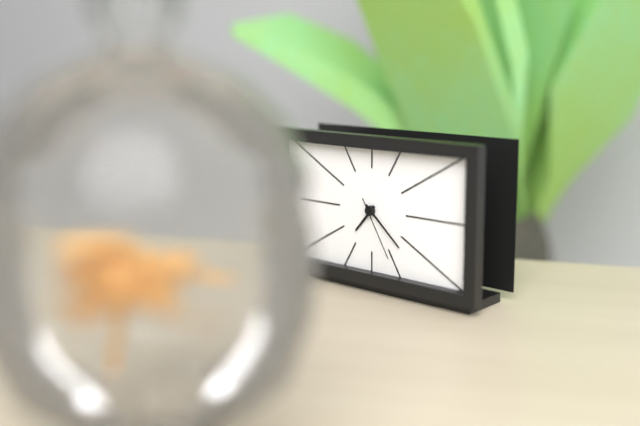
7:22:25
